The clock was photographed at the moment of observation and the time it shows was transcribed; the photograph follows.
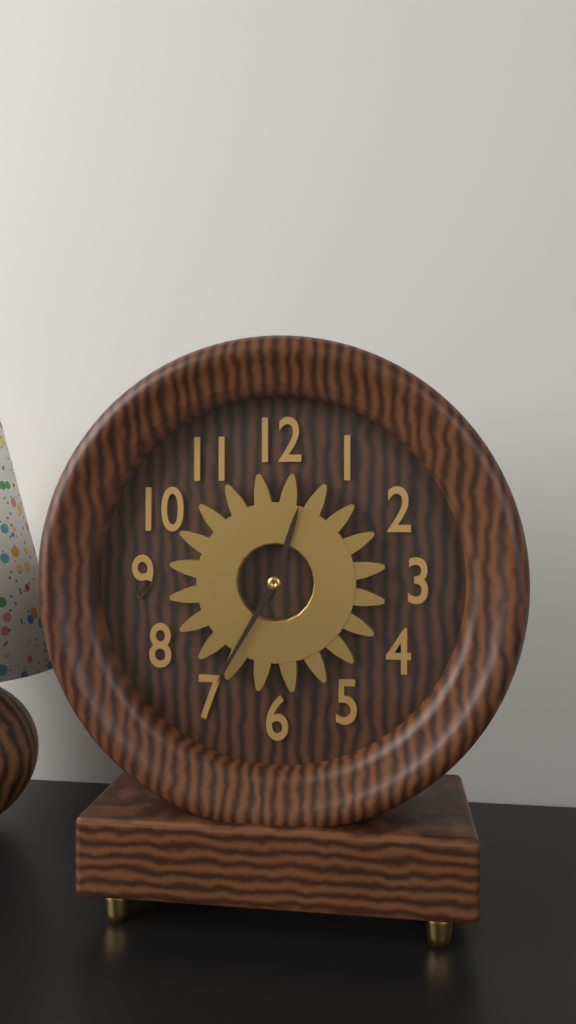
12:35
